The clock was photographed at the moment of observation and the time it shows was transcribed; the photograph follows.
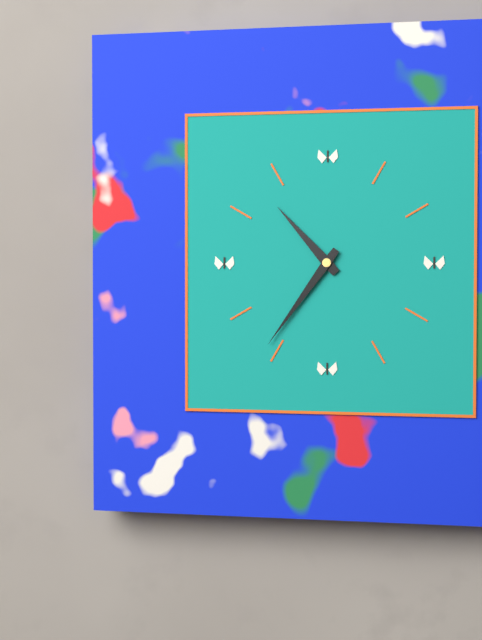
10:36
